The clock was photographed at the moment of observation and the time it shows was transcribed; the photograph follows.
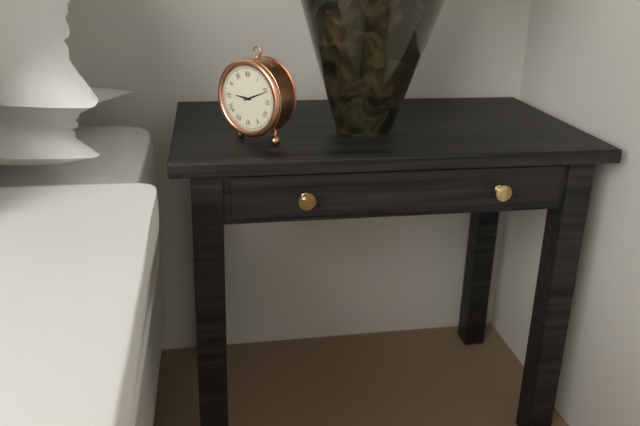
9:11
